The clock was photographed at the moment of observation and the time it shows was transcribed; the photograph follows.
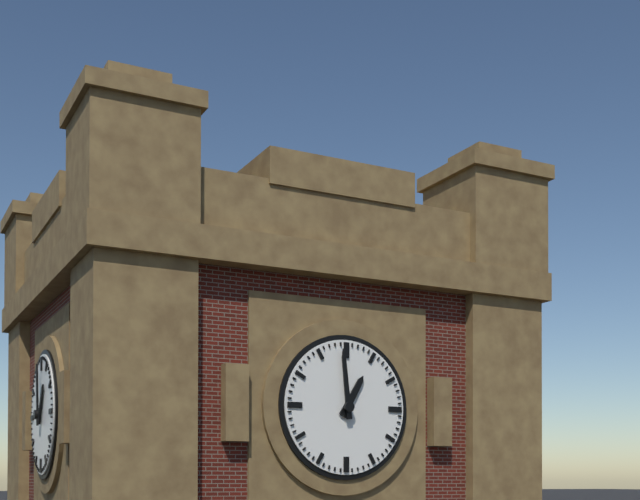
12:59
